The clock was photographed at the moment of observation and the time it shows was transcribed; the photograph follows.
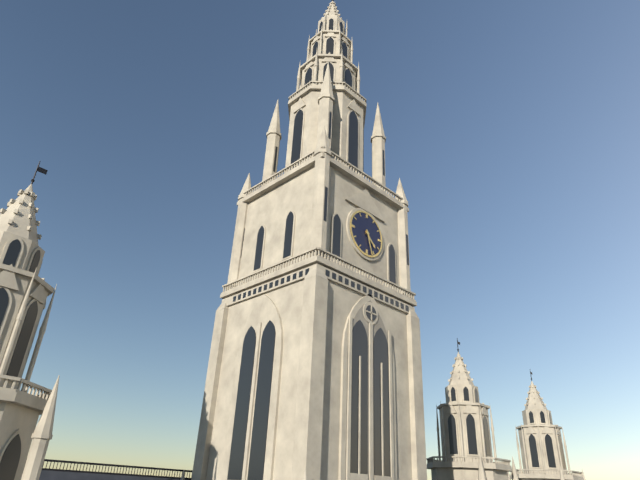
4:27
